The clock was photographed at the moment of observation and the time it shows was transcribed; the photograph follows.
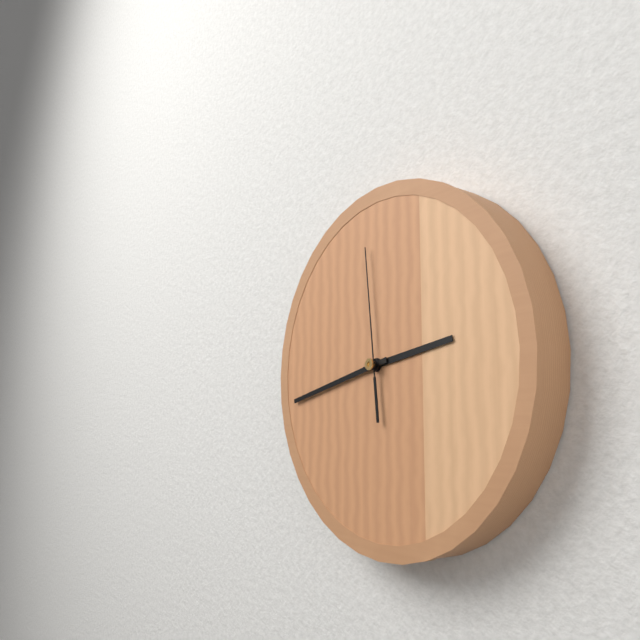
2:43:59
